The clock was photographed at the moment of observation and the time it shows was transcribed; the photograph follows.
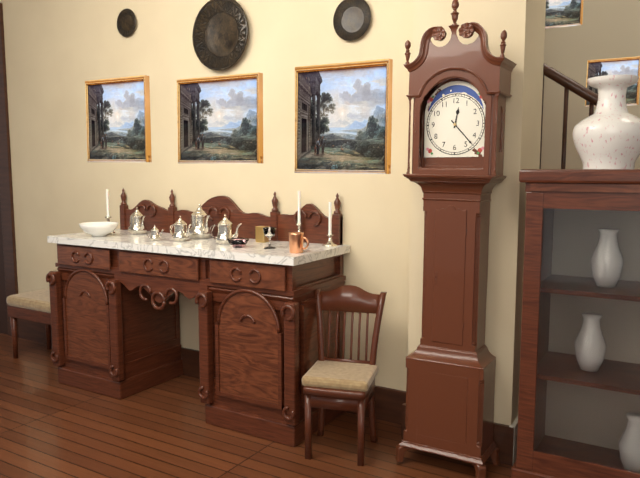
12:23
